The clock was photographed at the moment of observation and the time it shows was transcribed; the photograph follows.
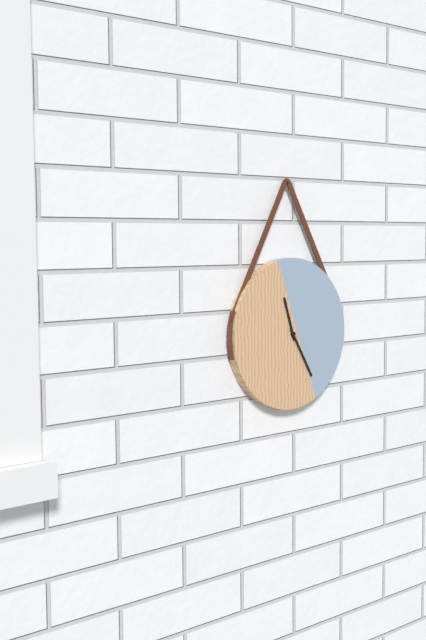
11:25
